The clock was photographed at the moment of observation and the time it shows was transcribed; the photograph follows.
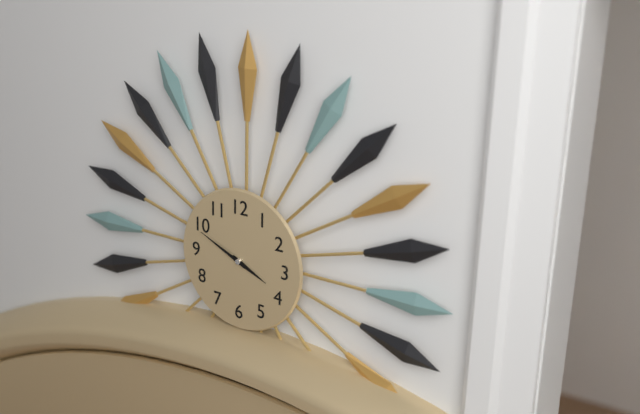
3:49
